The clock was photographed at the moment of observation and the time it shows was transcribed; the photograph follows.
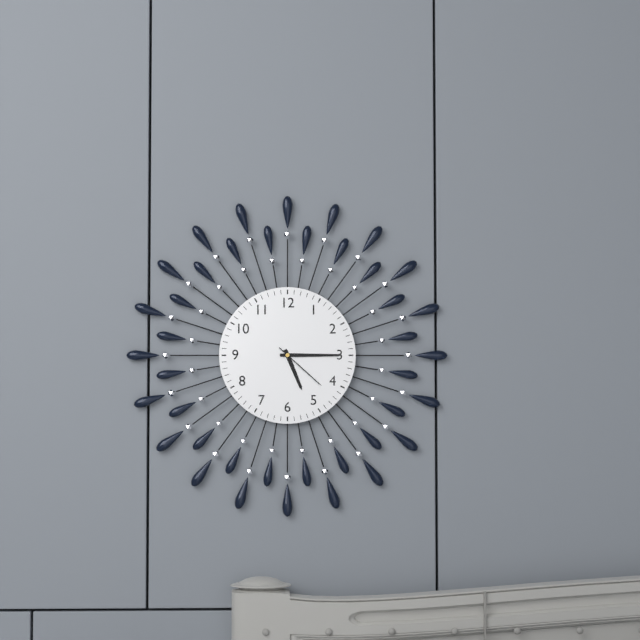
5:15:22
